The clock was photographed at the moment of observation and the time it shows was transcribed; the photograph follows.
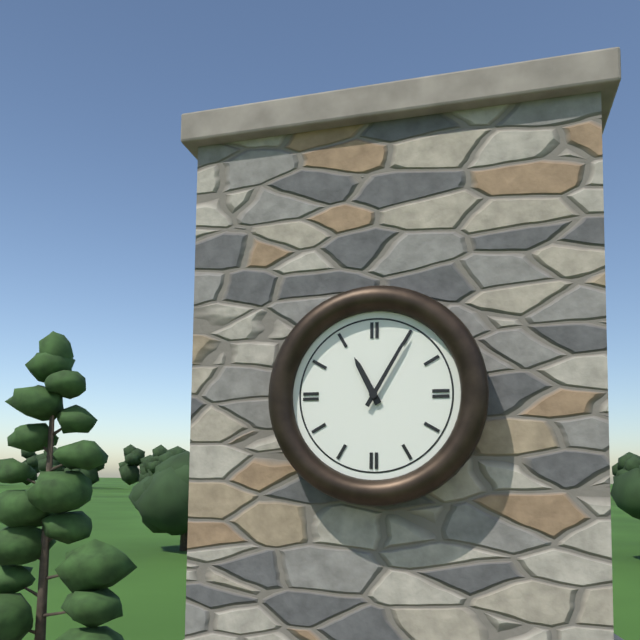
11:05
